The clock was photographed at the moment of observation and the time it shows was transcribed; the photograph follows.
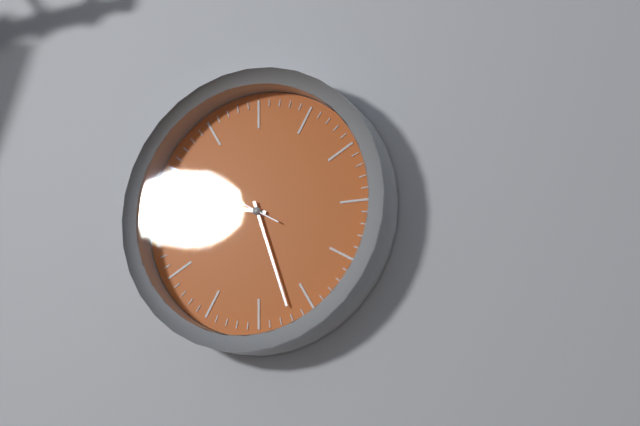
9:27:50
